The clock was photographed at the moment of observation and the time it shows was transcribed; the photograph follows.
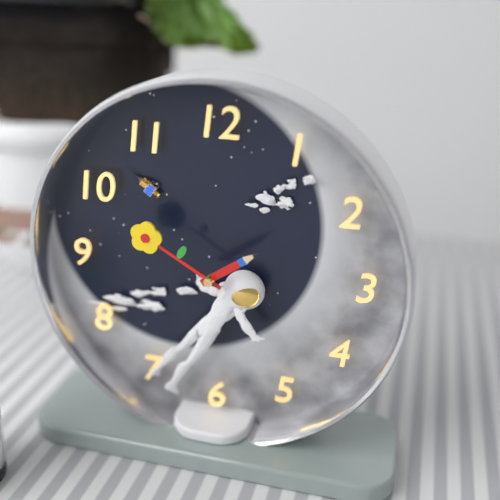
1:50
